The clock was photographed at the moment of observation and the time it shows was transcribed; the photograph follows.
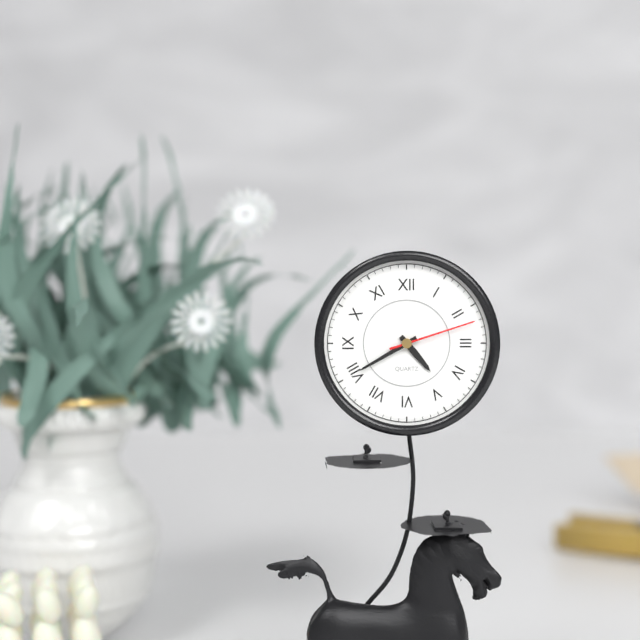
4:40:12
